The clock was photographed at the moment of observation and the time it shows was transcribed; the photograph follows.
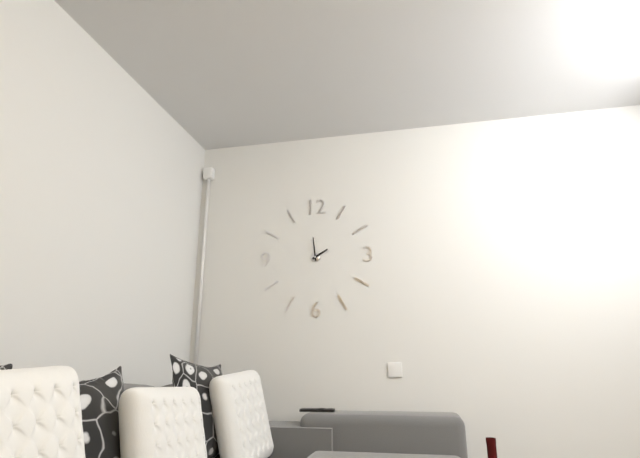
1:59
